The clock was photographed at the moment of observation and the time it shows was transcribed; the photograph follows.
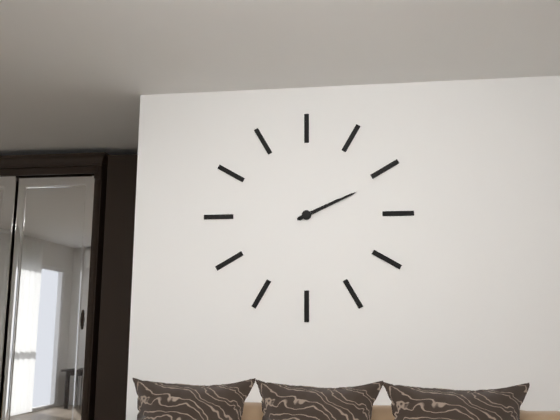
2:11
